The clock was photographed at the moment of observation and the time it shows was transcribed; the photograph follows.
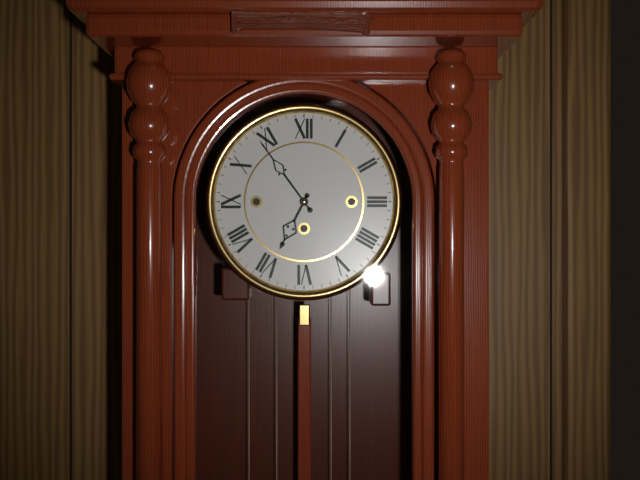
6:54
